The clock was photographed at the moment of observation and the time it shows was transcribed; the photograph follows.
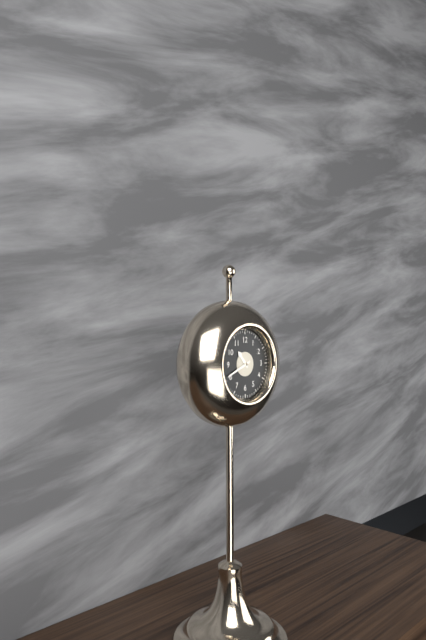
10:41
